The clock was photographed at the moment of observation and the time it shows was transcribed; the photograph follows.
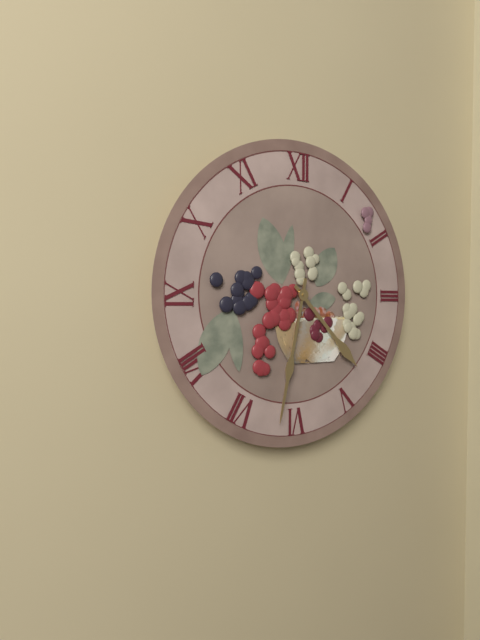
4:32
